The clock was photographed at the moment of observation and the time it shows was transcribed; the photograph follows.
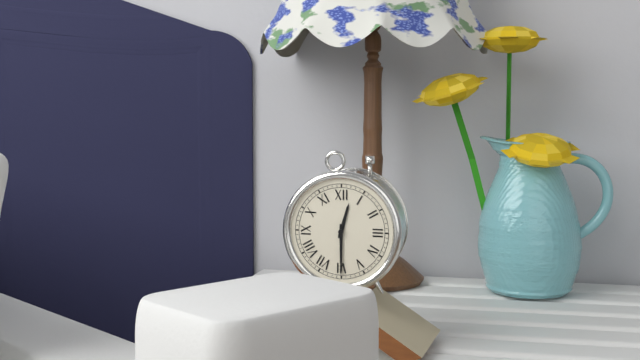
12:30
